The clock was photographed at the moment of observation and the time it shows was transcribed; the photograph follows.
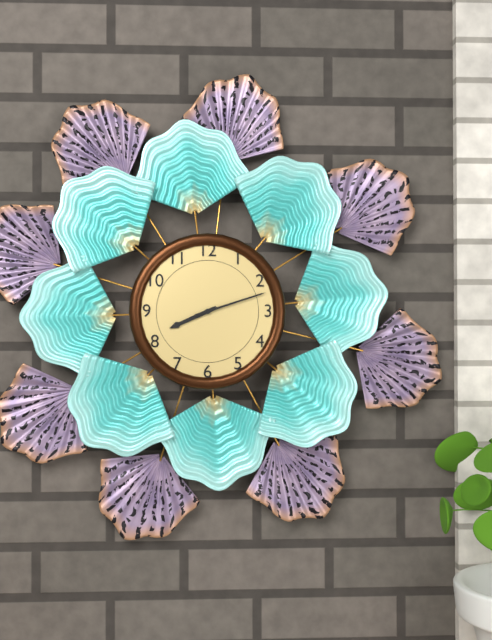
8:12
